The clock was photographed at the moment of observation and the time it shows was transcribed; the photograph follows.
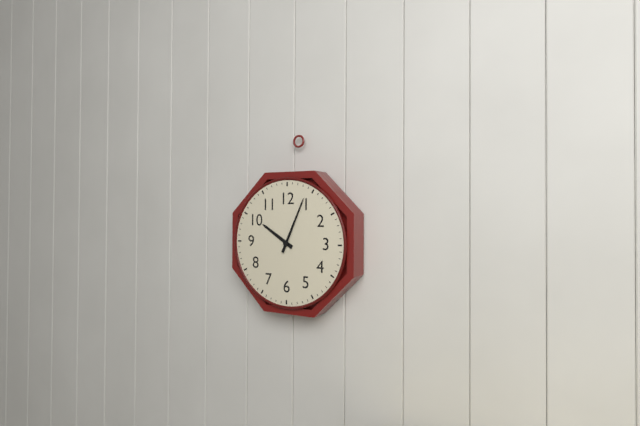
10:04
